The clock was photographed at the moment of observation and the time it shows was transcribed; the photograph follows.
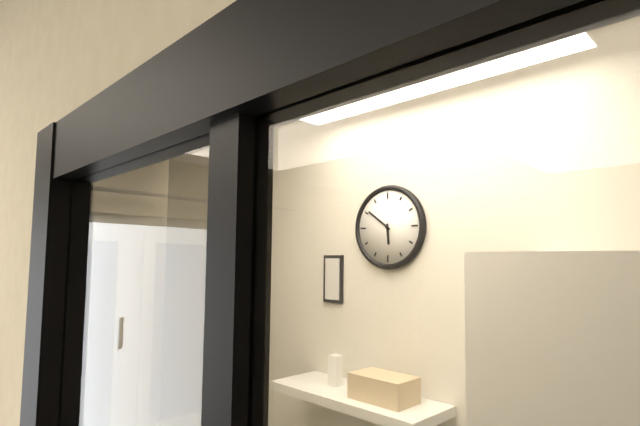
5:51
